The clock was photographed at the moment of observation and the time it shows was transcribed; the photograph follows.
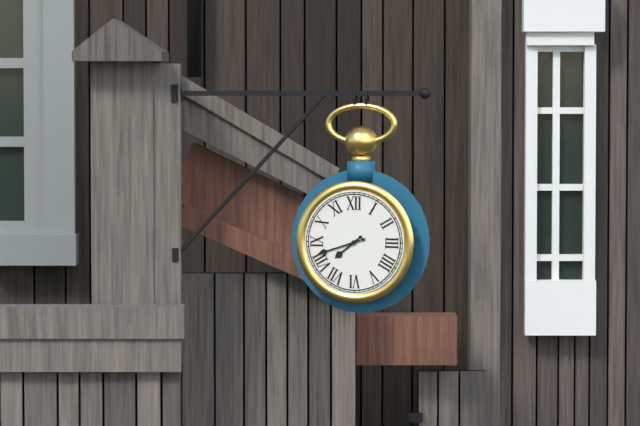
7:42
